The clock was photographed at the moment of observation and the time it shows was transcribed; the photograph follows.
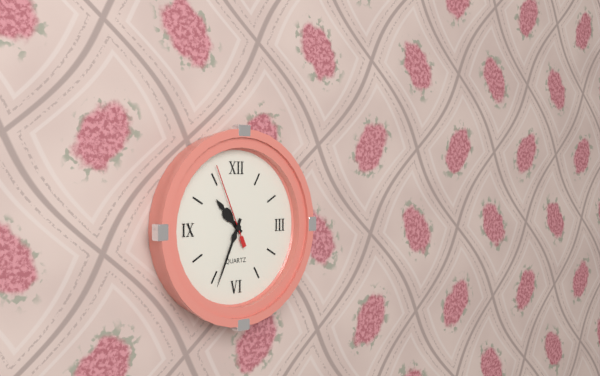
10:34:56
